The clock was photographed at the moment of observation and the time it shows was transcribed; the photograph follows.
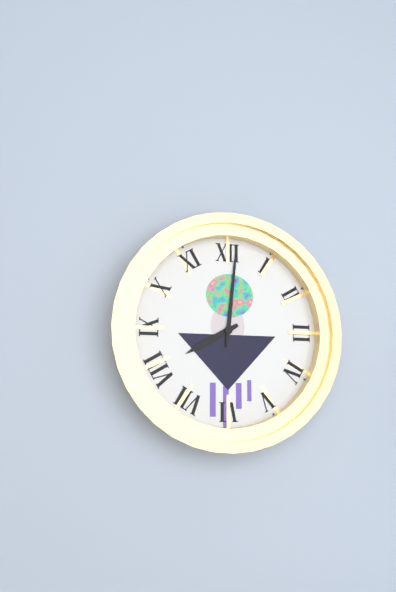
8:01
